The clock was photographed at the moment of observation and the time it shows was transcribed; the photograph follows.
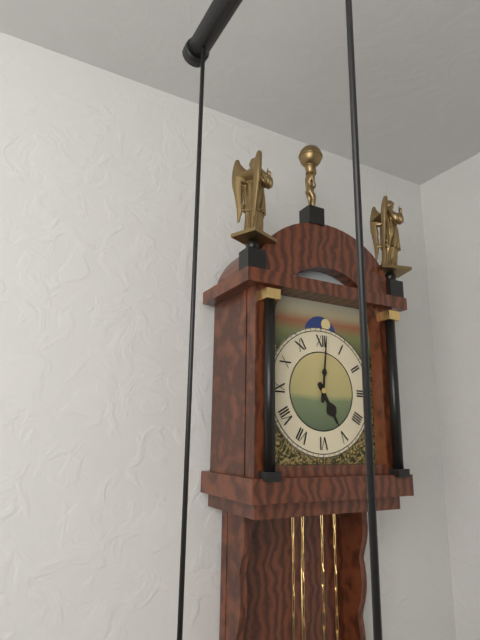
5:01
